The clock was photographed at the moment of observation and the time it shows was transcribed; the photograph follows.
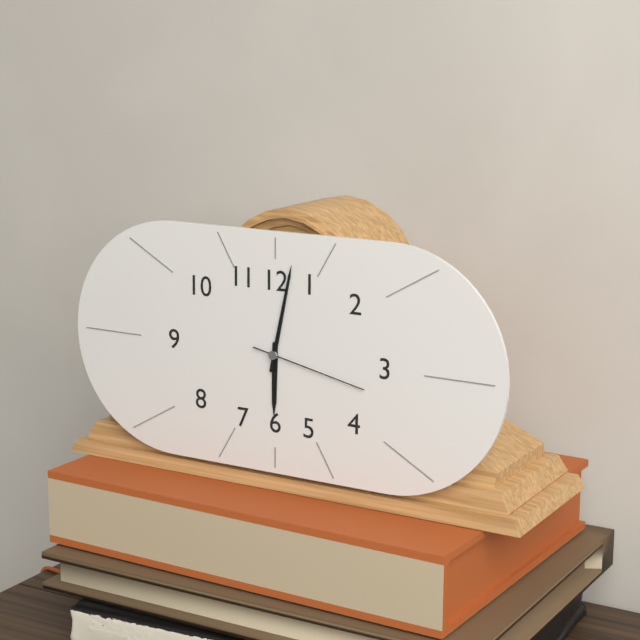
6:02:17
